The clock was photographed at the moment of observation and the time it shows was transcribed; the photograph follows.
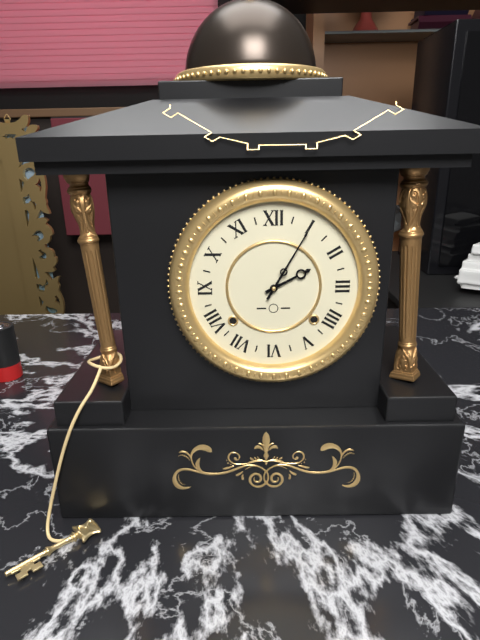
2:05
